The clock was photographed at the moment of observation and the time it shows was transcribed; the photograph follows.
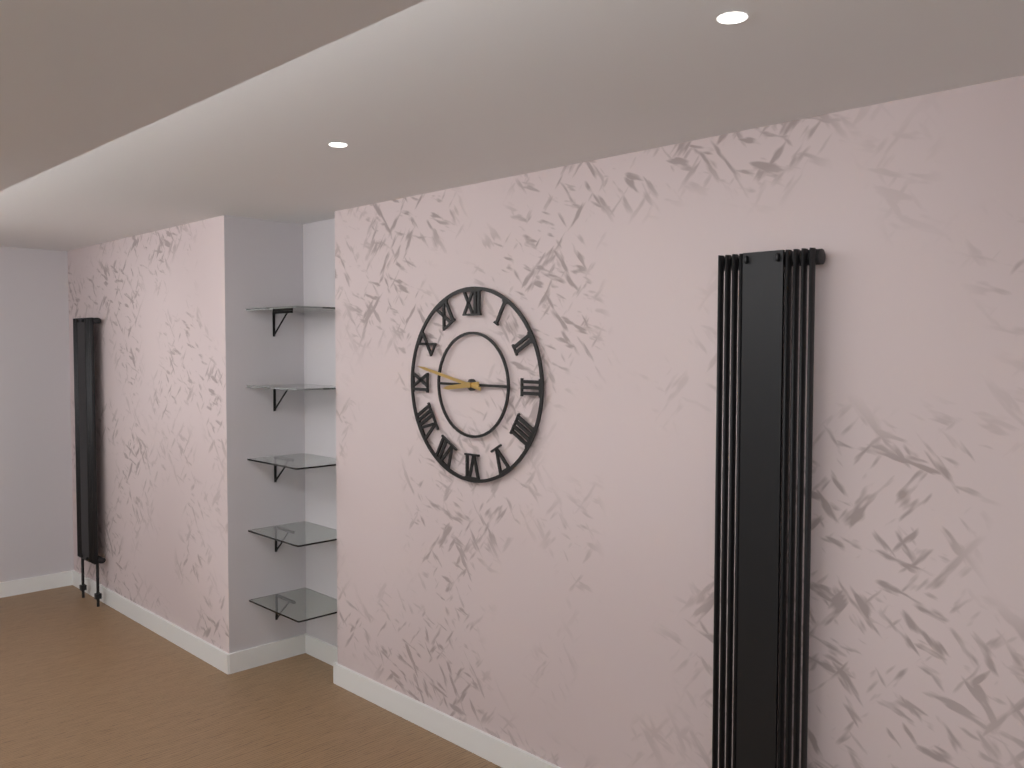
8:47
